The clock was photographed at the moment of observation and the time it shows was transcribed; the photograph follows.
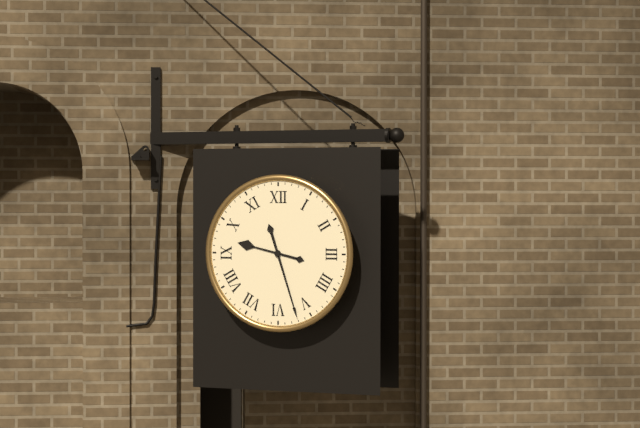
9:27
